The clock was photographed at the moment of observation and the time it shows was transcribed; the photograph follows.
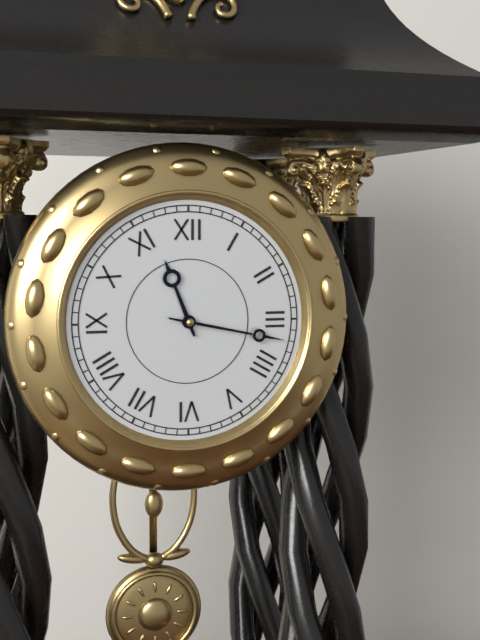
11:17
